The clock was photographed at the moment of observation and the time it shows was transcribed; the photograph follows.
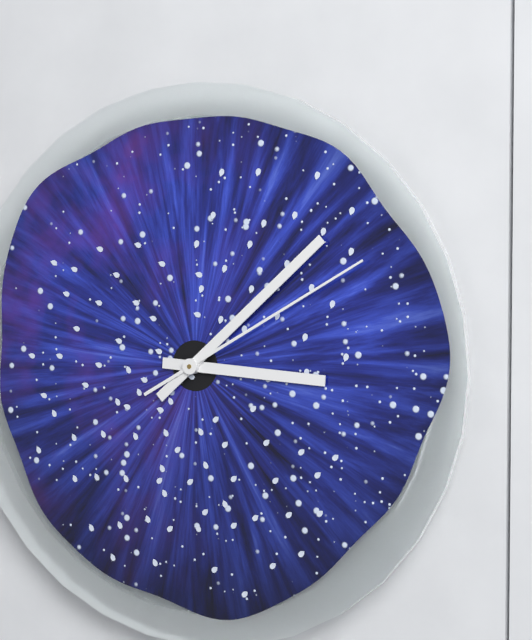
3:08:10
